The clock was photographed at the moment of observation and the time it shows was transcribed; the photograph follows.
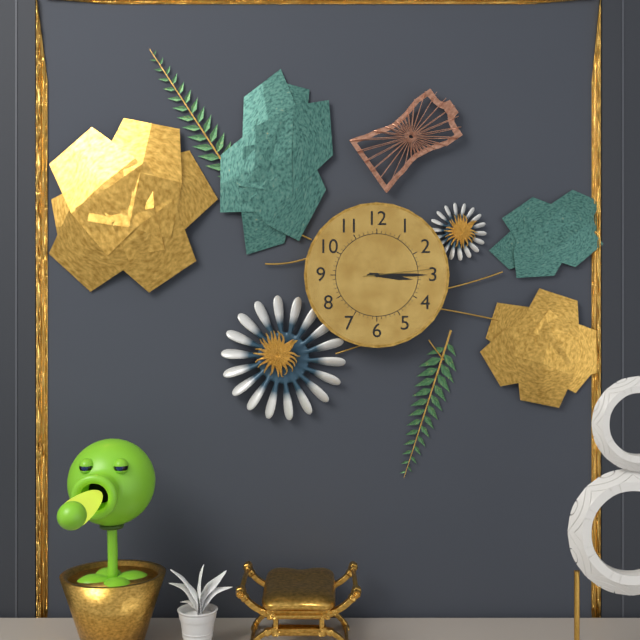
3:15:14
